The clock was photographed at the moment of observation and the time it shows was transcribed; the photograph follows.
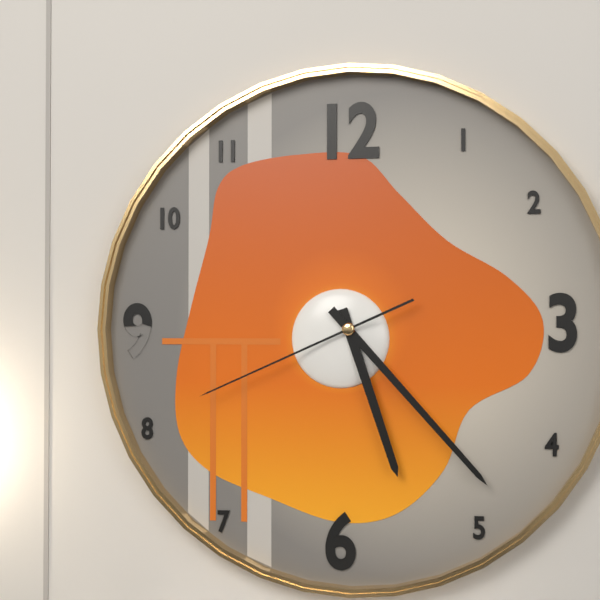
5:23:41
